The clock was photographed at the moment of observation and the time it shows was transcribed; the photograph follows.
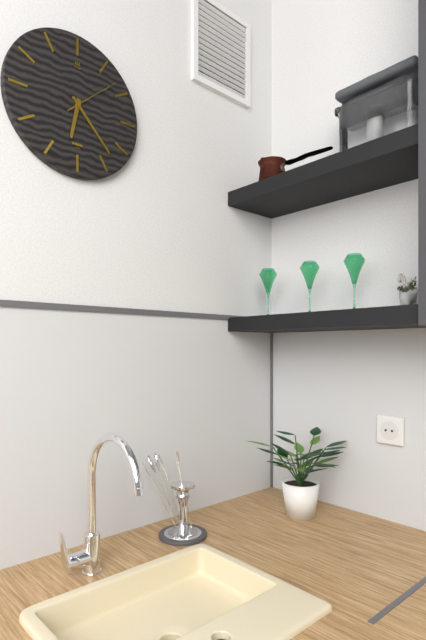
6:23:08
